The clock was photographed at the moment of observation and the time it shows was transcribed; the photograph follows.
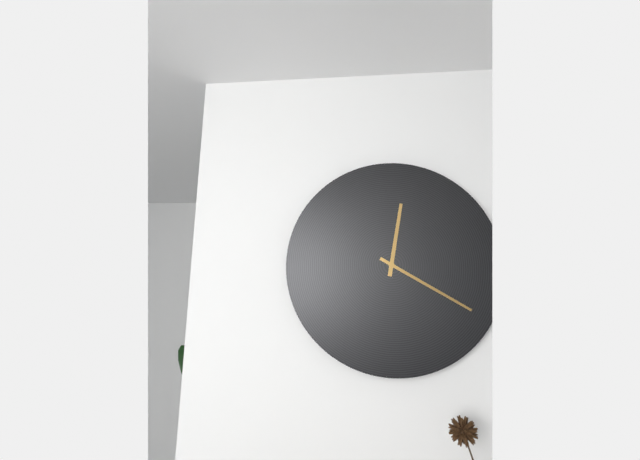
12:20
